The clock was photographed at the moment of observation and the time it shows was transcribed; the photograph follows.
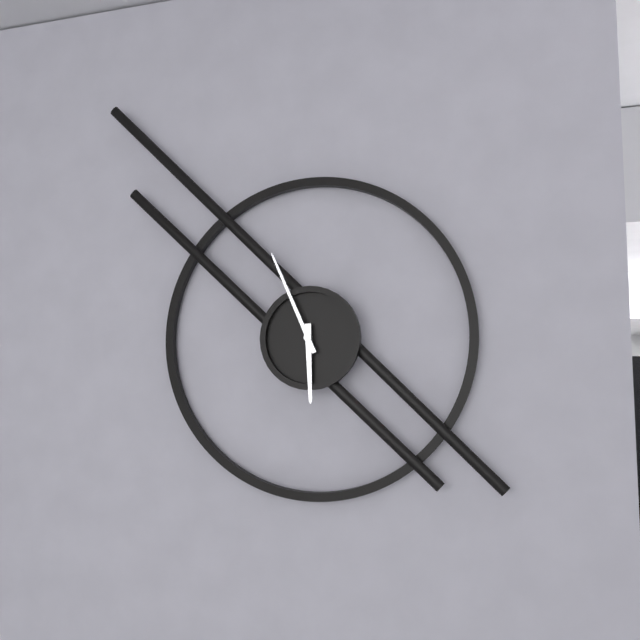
5:56
